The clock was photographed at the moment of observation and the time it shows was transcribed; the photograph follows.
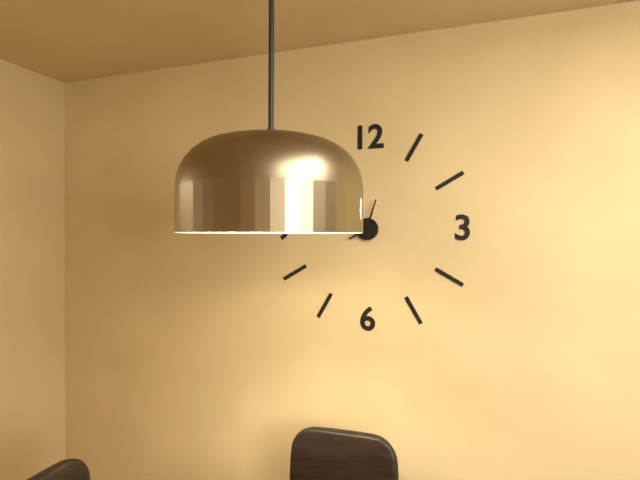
8:03
